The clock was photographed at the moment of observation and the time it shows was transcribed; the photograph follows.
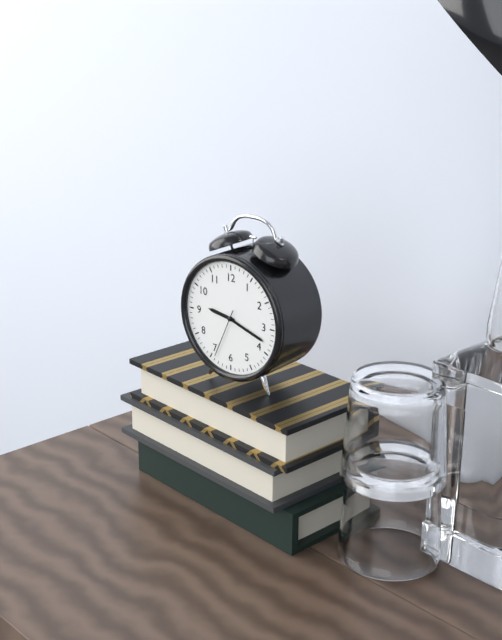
9:18:34
